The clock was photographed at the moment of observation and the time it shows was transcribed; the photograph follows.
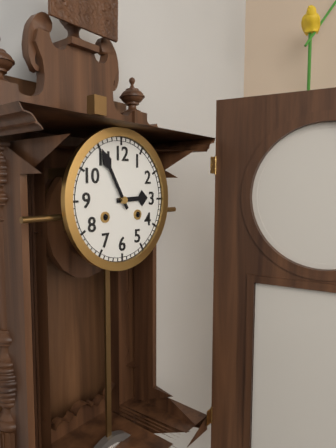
2:55
